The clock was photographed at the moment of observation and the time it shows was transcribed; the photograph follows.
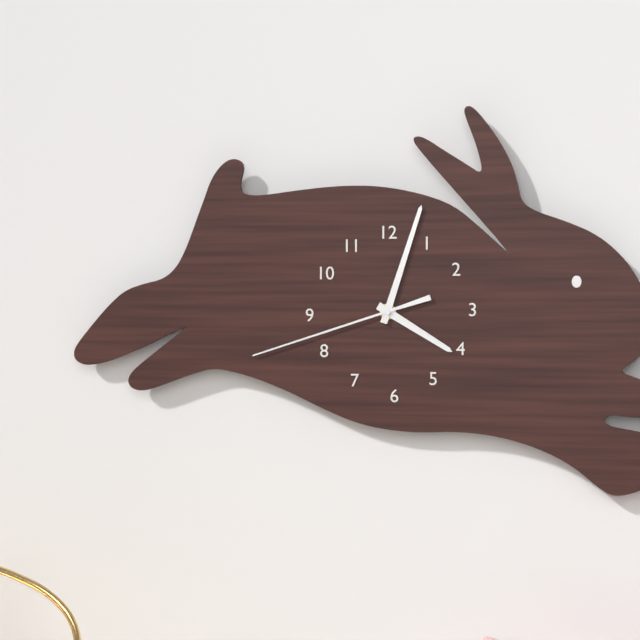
4:03:42
